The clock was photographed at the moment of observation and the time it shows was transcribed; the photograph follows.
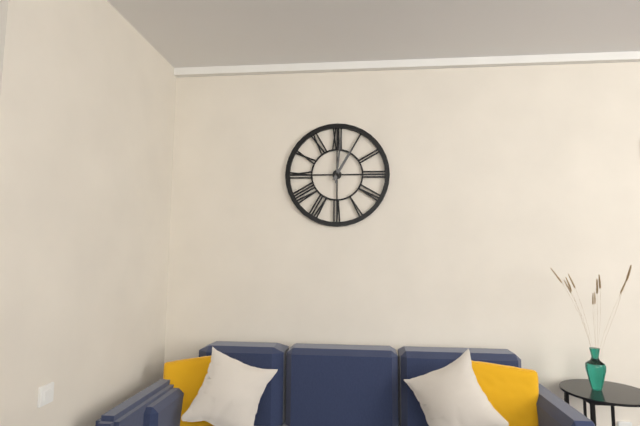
1:01
